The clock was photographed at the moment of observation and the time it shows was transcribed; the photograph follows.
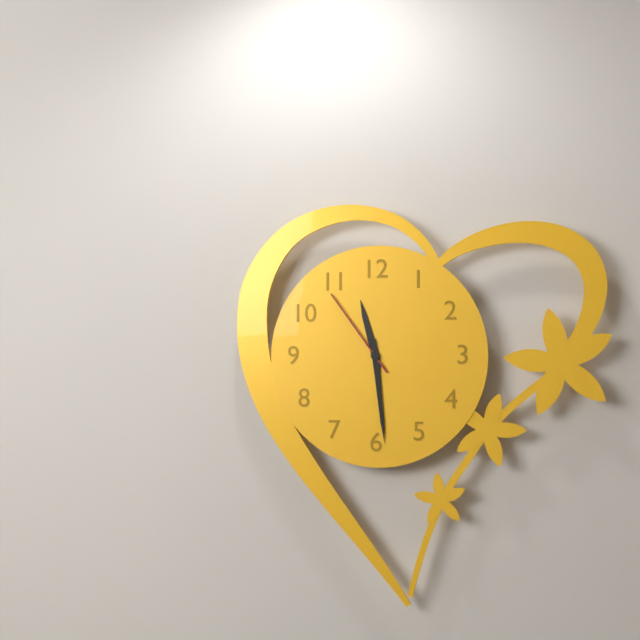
11:29:54
